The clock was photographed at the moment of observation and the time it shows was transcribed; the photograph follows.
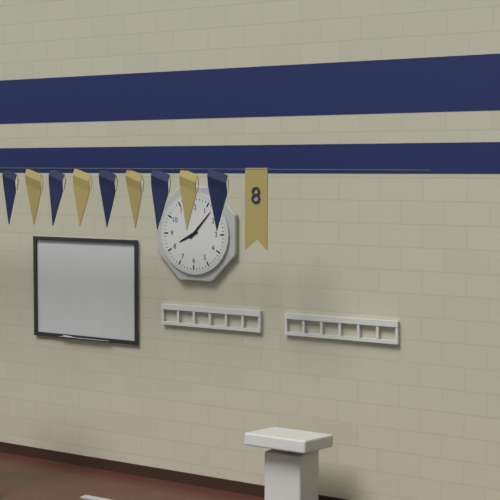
8:07
